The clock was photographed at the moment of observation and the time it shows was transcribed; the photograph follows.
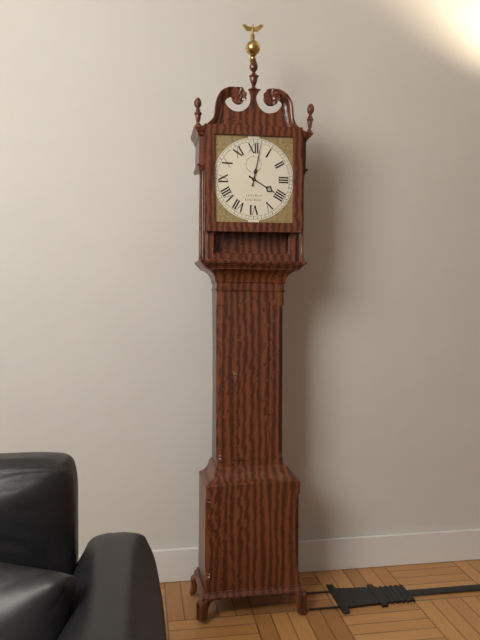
4:02
